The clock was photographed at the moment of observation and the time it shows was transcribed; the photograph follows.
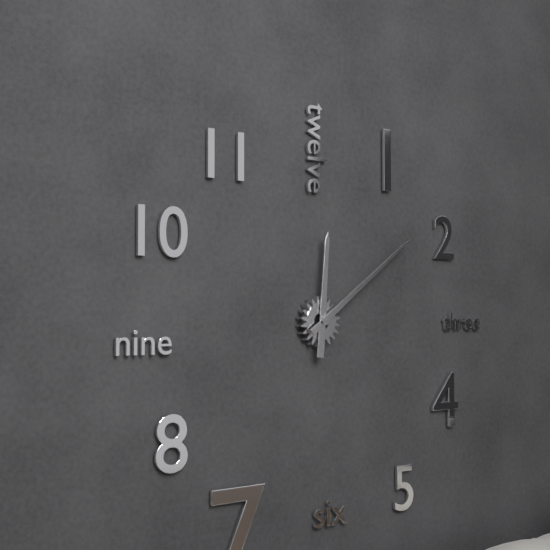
12:09
